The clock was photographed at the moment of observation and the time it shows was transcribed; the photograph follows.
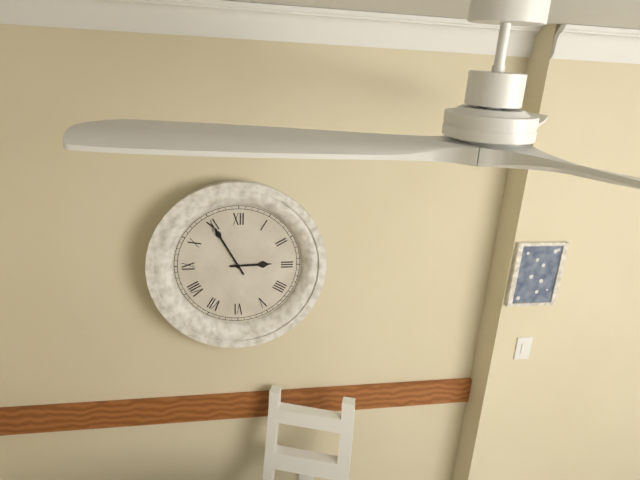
2:55
